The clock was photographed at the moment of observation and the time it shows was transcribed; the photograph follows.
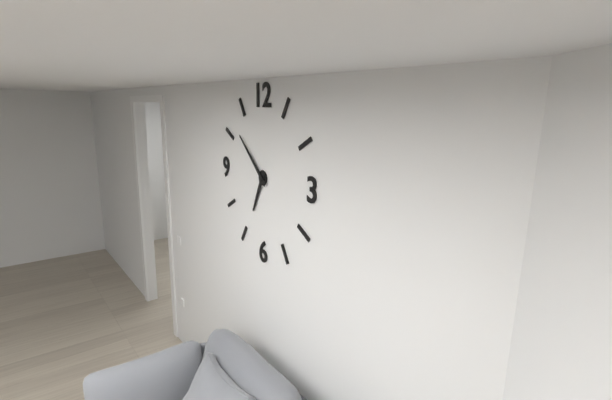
6:52
